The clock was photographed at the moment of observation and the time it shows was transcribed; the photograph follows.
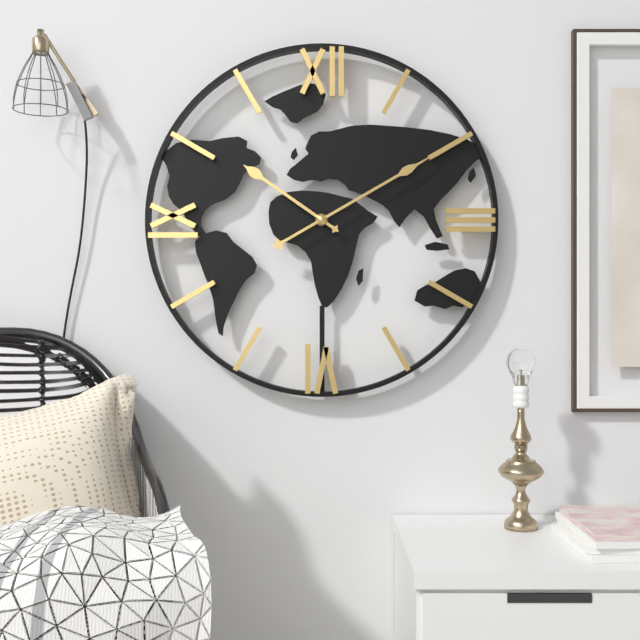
10:10
